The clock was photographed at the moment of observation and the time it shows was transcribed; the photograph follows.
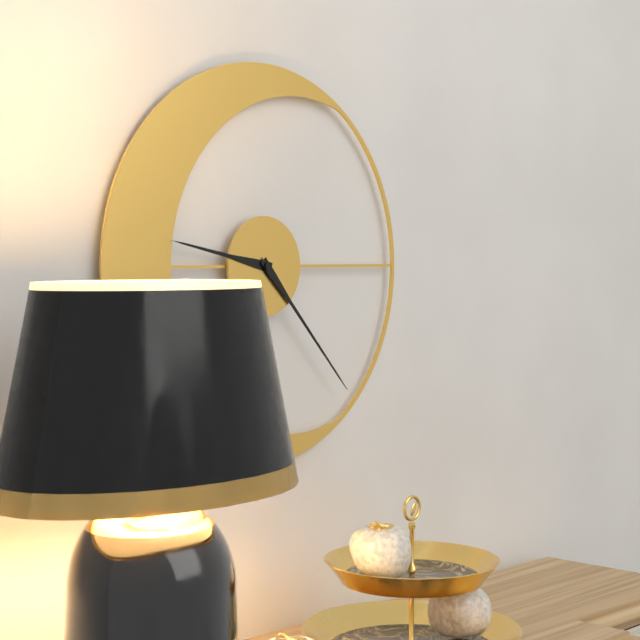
9:23
